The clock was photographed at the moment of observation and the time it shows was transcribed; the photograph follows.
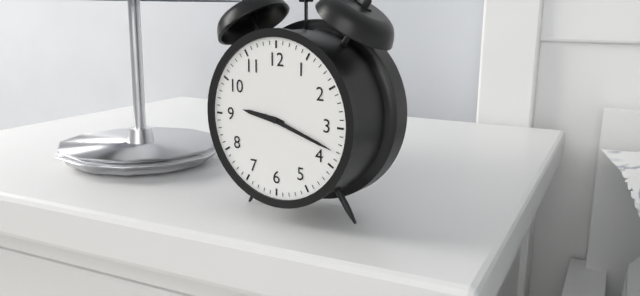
9:18
